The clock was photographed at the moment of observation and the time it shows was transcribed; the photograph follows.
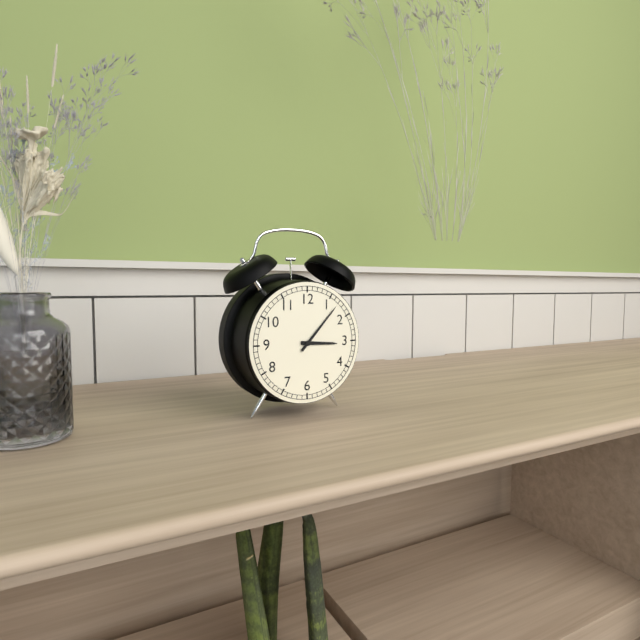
3:07
